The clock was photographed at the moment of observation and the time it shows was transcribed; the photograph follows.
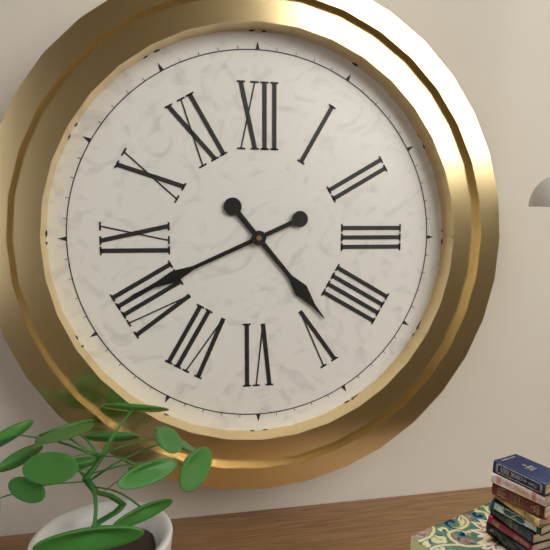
4:41
